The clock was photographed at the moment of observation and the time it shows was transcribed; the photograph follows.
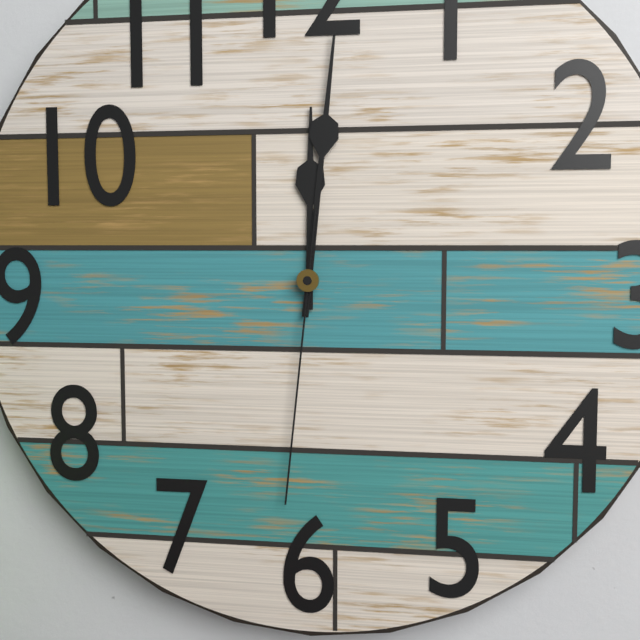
12:01:31
